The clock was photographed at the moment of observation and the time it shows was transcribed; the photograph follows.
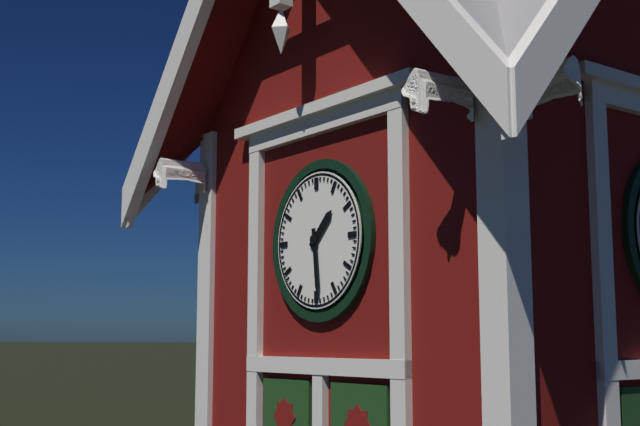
1:29
